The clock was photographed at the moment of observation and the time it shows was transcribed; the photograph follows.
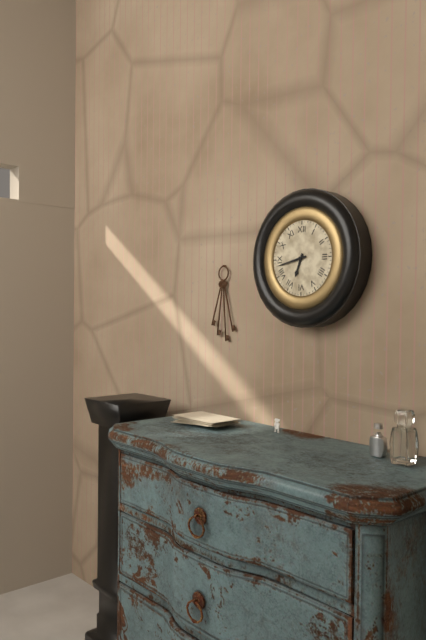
6:43
